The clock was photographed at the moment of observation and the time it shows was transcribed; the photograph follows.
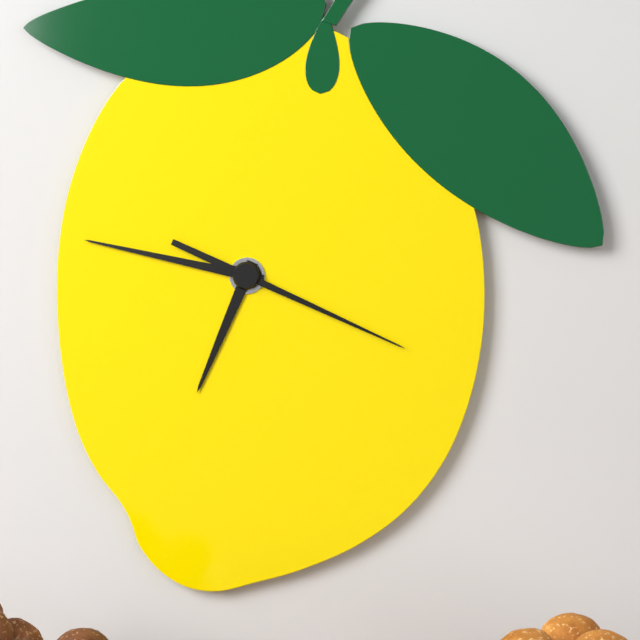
6:47:19
